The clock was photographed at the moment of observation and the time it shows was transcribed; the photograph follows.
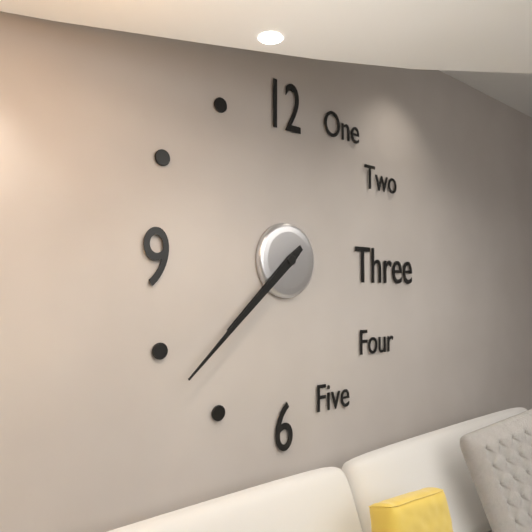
7:38
